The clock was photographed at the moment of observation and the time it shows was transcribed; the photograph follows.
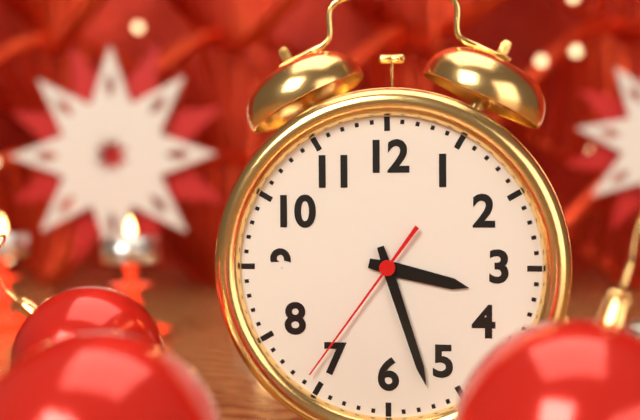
3:27:36
